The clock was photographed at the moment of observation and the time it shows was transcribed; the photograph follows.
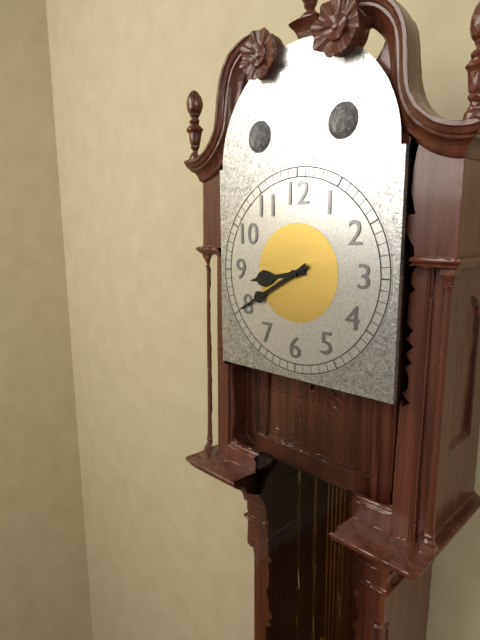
8:40
